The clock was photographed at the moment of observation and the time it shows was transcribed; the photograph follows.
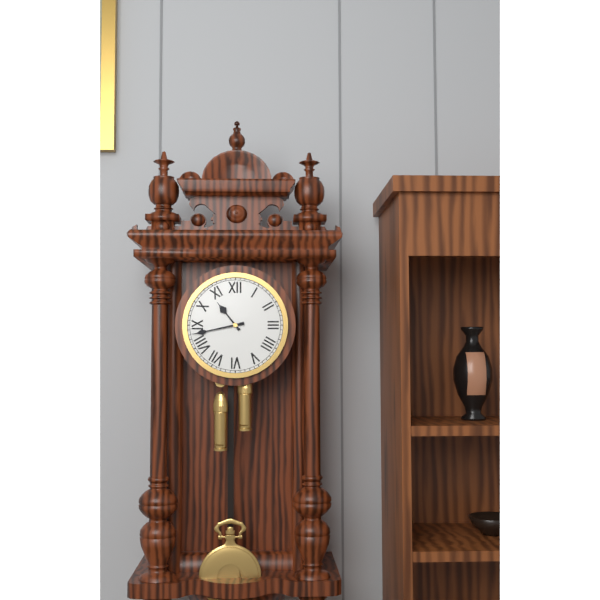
10:43
